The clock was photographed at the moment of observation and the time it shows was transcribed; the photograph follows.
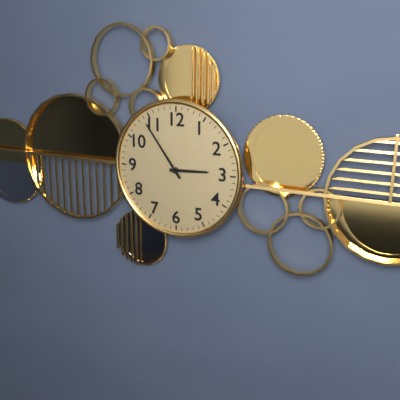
2:54
